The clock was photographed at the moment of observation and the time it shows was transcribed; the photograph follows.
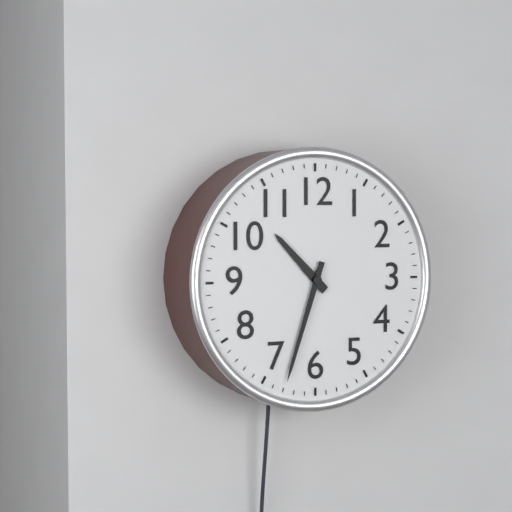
10:33
